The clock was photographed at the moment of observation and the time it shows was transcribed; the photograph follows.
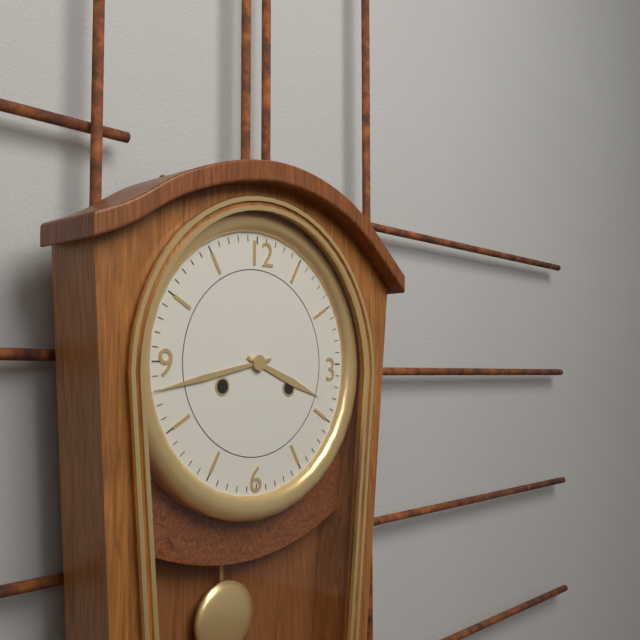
3:43
